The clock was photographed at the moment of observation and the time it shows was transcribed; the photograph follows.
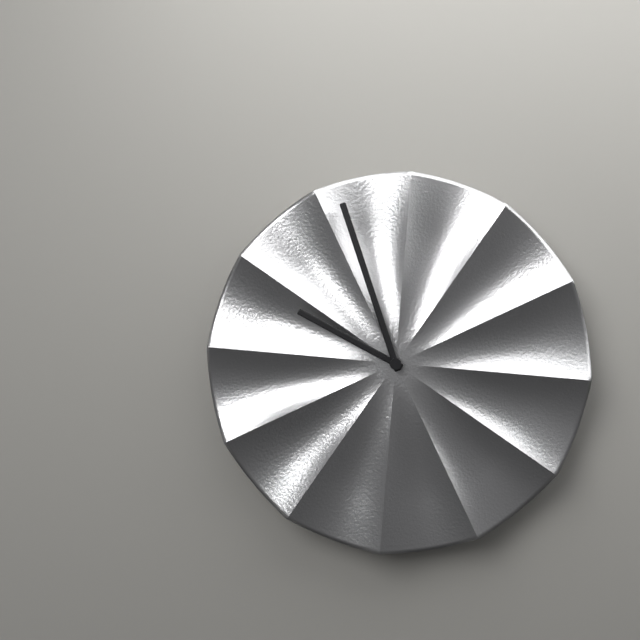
9:57
